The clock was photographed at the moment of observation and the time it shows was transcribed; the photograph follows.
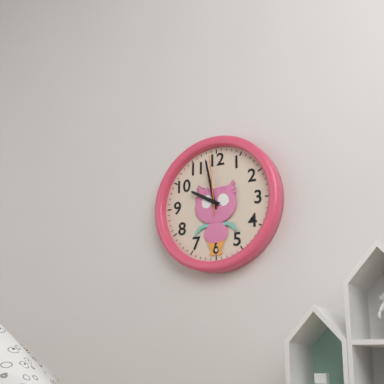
9:58:59
